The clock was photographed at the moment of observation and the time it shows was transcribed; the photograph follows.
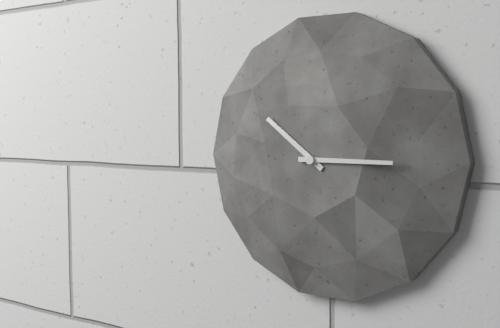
10:15
